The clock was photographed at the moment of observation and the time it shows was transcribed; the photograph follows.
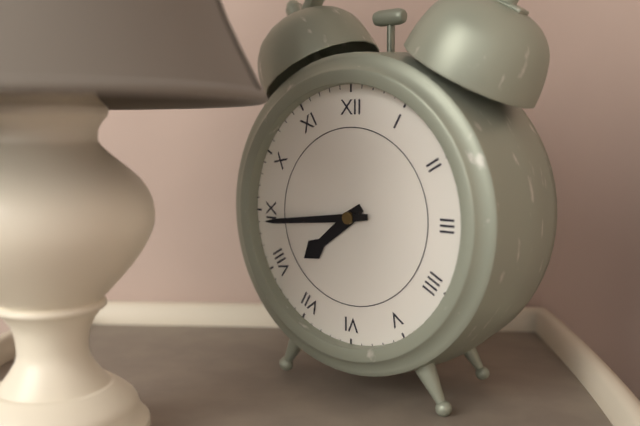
7:44
